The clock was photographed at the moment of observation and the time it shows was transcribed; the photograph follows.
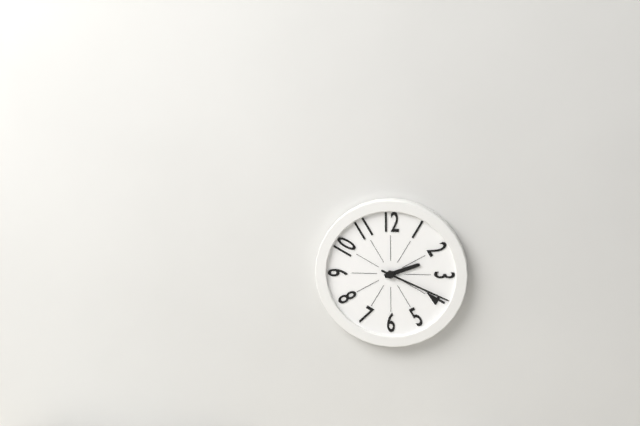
2:19
